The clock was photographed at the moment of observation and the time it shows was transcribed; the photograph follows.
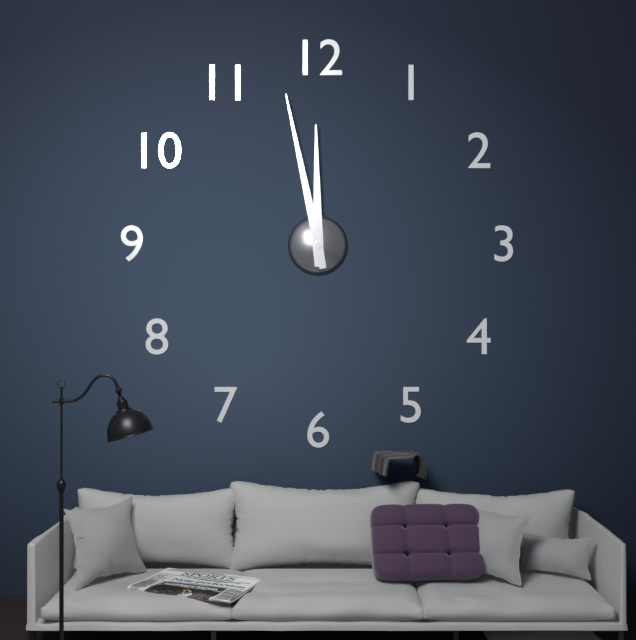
11:58
